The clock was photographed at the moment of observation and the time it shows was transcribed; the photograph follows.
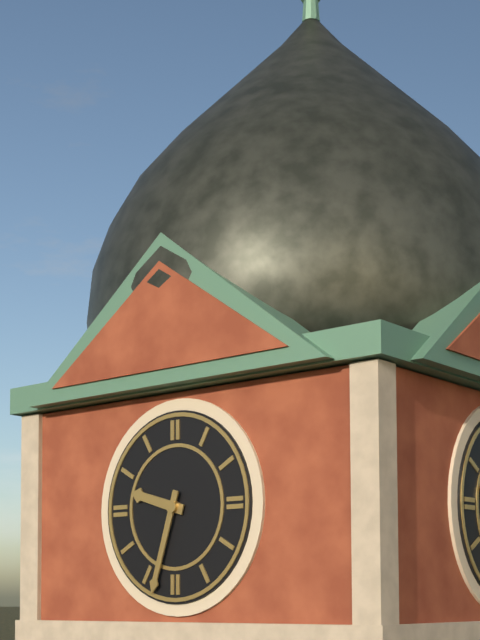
9:33
